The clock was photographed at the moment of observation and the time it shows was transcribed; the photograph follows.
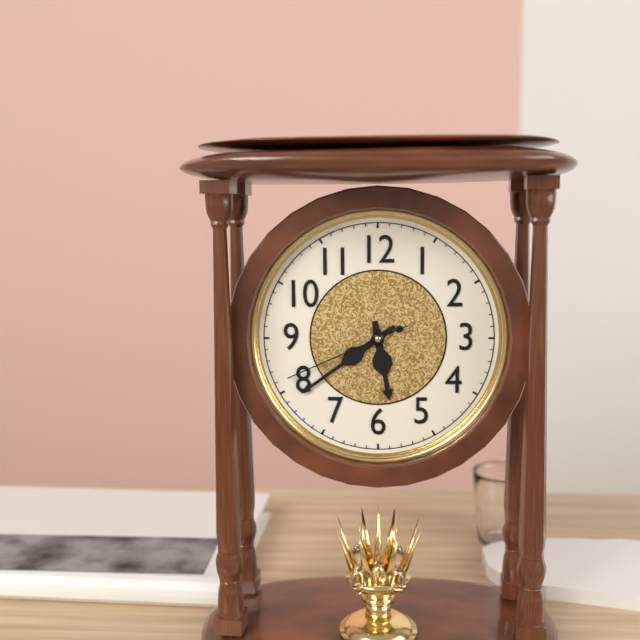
5:39:41
